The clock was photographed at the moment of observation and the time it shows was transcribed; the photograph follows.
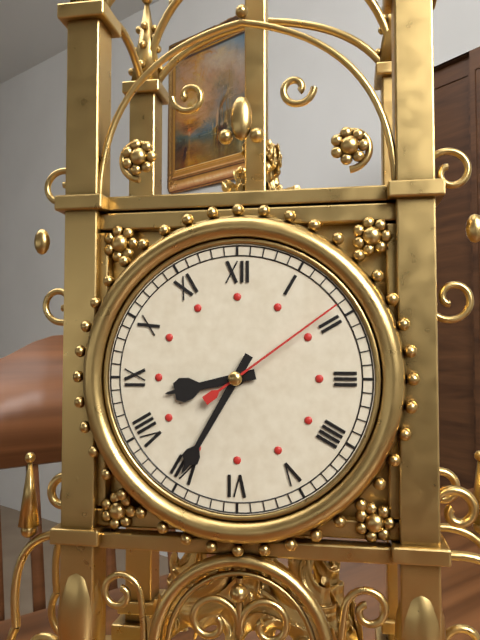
8:35:09
